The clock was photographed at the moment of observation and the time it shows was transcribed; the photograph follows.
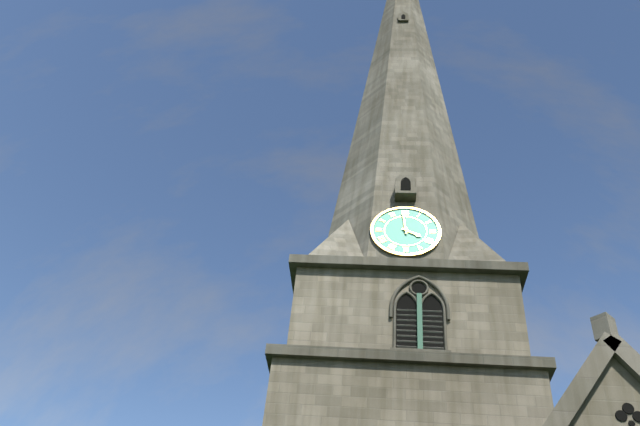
3:59
